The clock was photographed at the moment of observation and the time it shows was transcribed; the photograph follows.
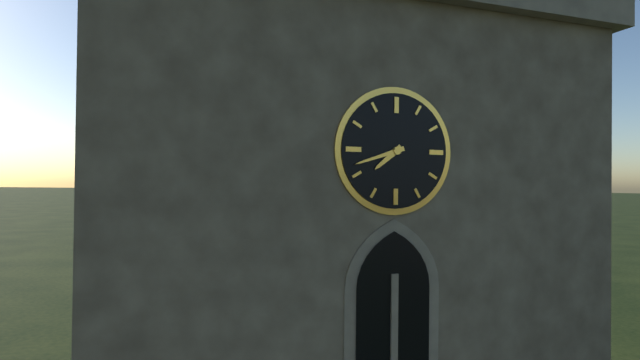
7:42
